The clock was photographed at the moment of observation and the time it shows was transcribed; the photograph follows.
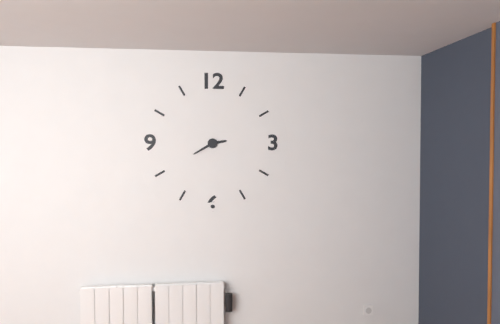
2:40
